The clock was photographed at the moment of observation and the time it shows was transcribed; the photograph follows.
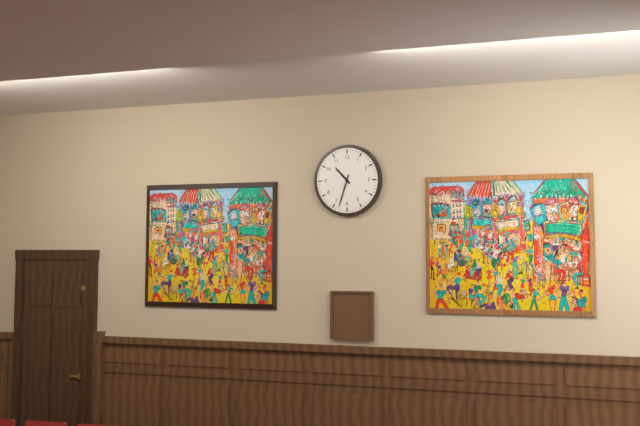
10:33
